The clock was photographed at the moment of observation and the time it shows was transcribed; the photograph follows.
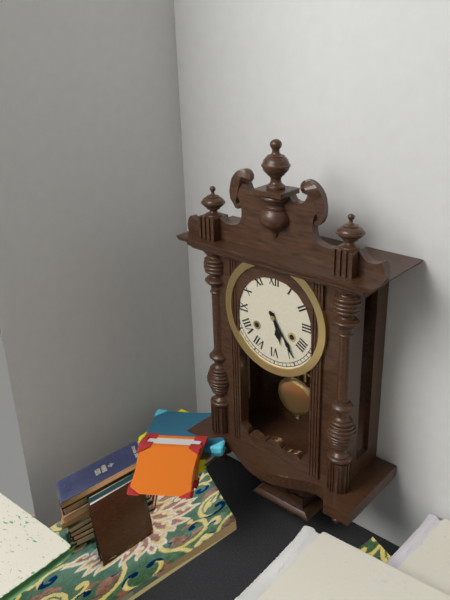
5:24
